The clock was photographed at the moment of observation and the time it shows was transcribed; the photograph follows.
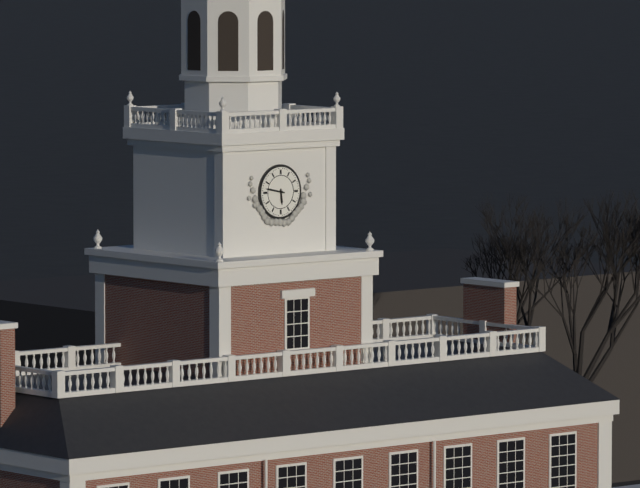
5:47
